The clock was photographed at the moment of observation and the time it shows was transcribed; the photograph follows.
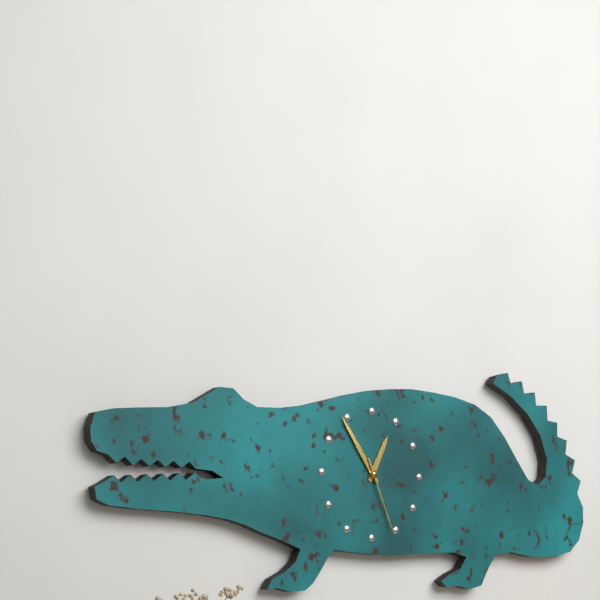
12:54:26
